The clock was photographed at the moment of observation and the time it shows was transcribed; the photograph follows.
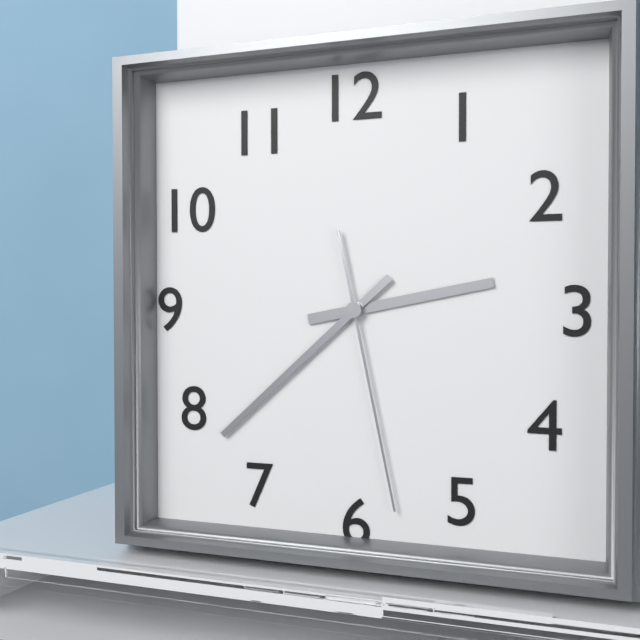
2:38:28
